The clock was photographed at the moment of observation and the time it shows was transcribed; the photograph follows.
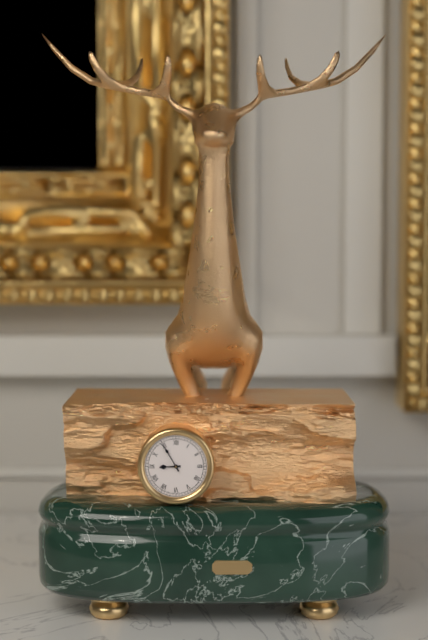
8:55
